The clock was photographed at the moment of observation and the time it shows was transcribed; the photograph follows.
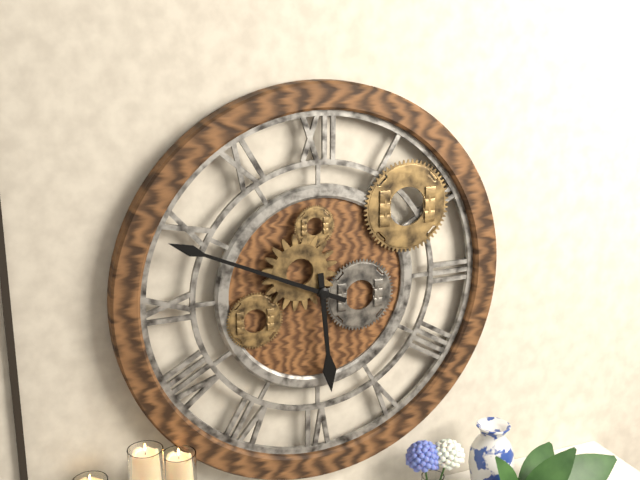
5:49
